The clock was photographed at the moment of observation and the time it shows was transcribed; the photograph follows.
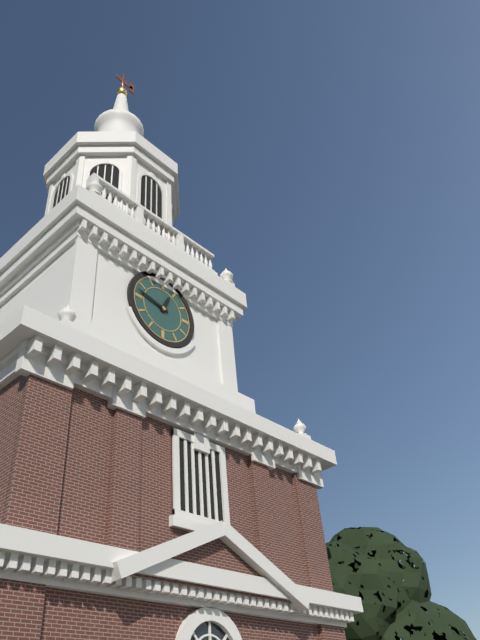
12:47
